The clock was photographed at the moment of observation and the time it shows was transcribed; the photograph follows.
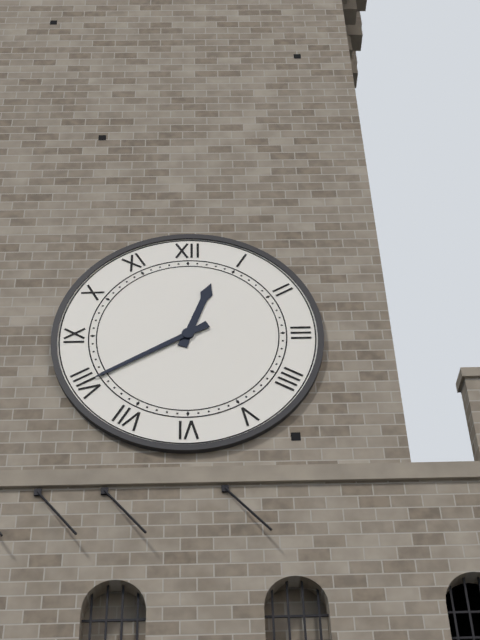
12:40
